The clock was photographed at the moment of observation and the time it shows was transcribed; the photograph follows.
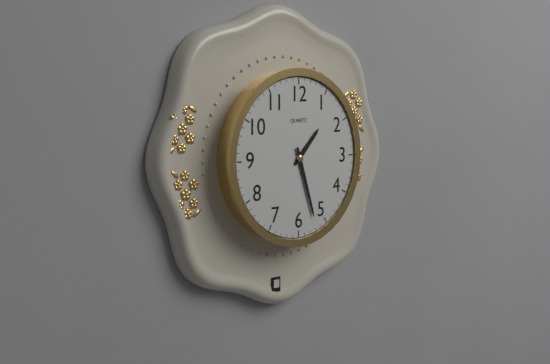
1:27
